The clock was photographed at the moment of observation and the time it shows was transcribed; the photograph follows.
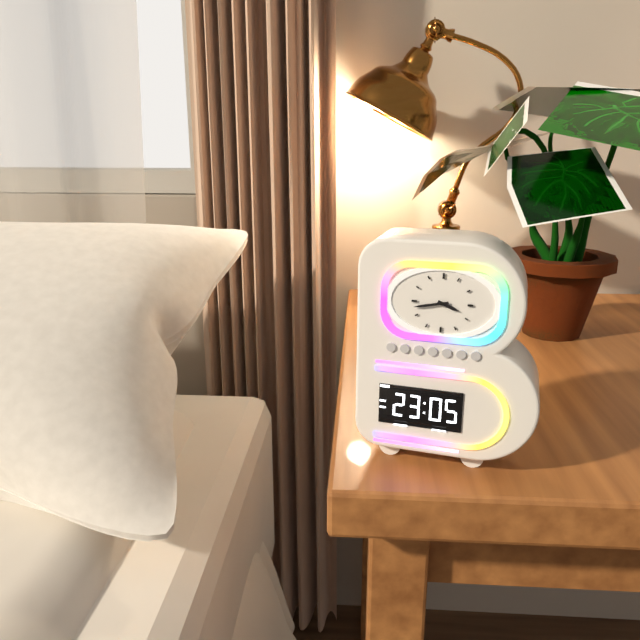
3:43
